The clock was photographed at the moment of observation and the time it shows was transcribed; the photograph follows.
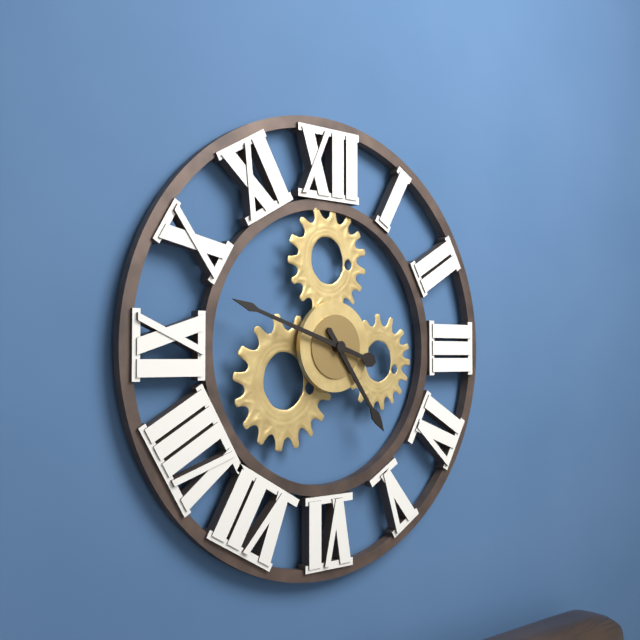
4:48
